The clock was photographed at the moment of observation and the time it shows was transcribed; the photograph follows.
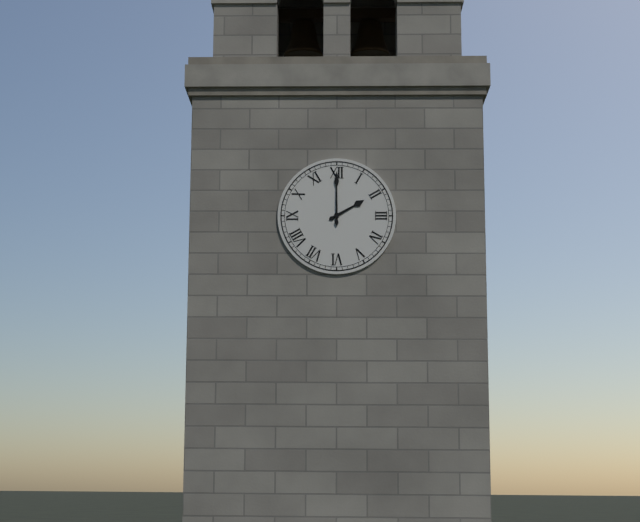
2:00
